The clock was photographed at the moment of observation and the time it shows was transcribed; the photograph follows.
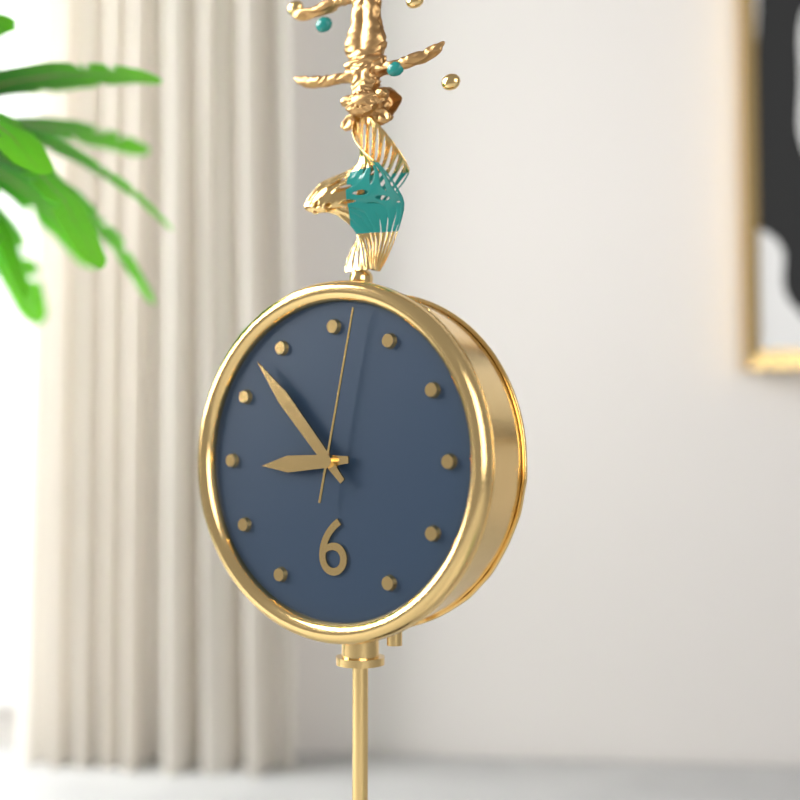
8:53:02
